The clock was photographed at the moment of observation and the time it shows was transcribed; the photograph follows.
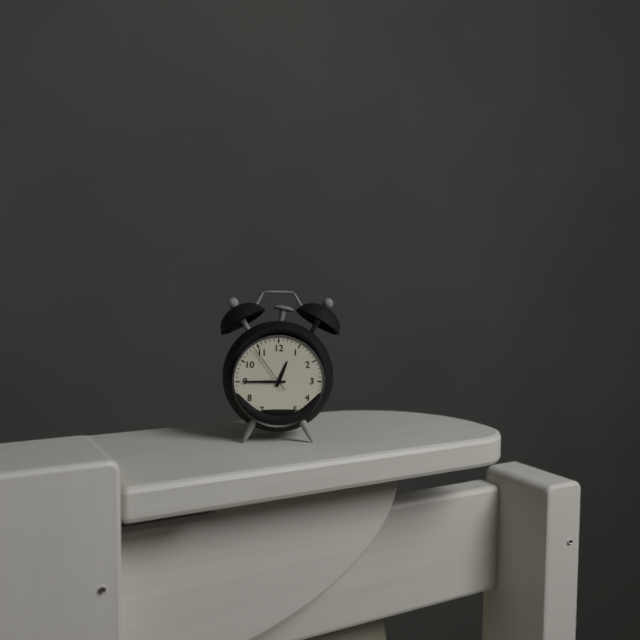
12:45
